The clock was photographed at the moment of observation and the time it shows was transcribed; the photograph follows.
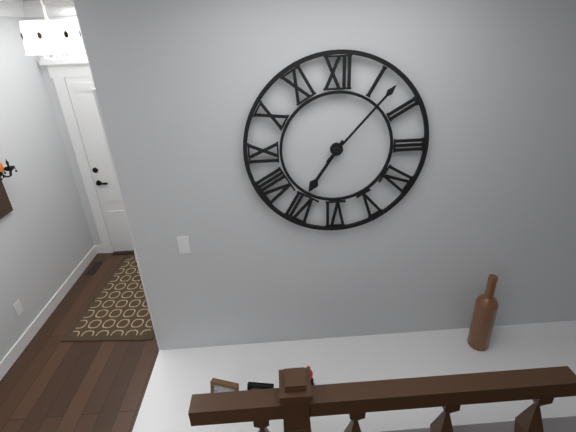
7:07
